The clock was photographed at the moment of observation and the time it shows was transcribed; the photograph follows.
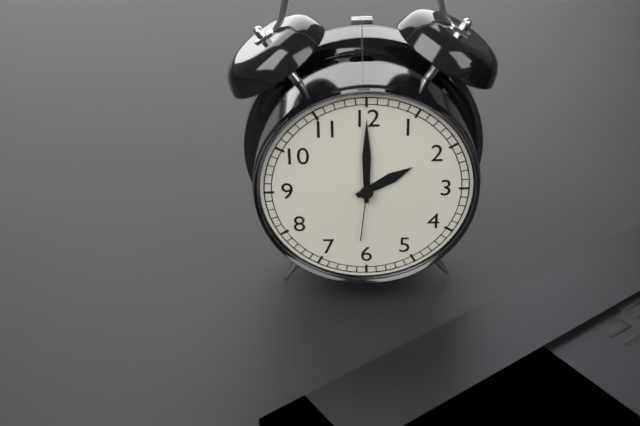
2:00:31
